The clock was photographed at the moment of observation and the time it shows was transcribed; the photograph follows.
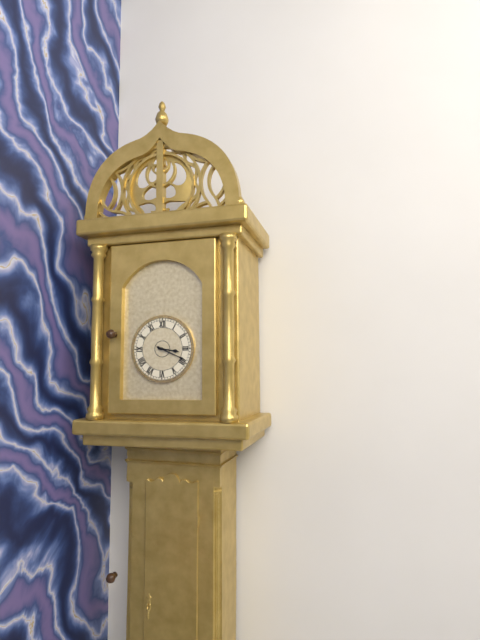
3:19
